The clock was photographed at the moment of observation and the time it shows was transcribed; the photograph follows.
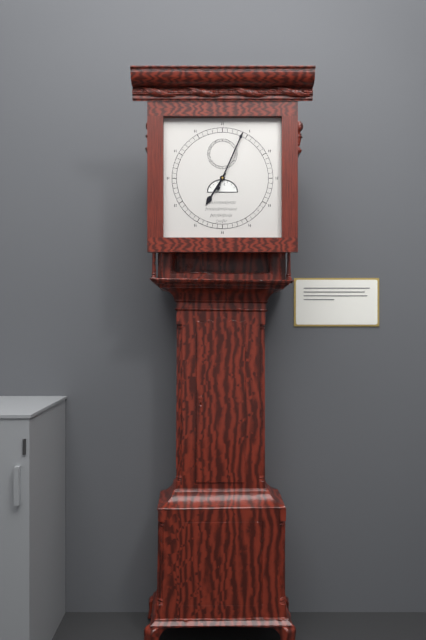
7:04
